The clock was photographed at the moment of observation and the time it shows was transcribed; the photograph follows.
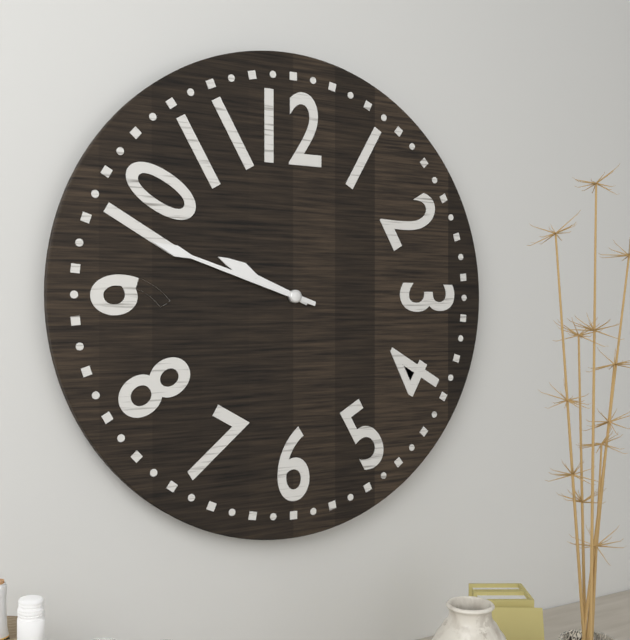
9:48
